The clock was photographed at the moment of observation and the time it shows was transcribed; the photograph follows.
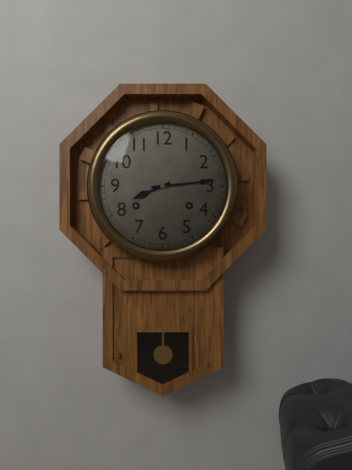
8:14
